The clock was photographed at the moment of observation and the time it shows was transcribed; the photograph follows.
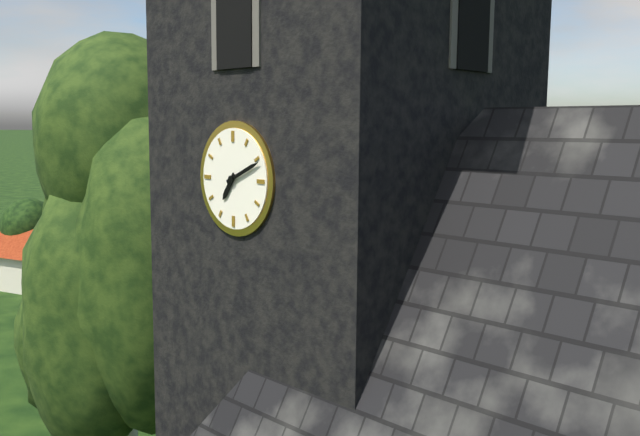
7:11
